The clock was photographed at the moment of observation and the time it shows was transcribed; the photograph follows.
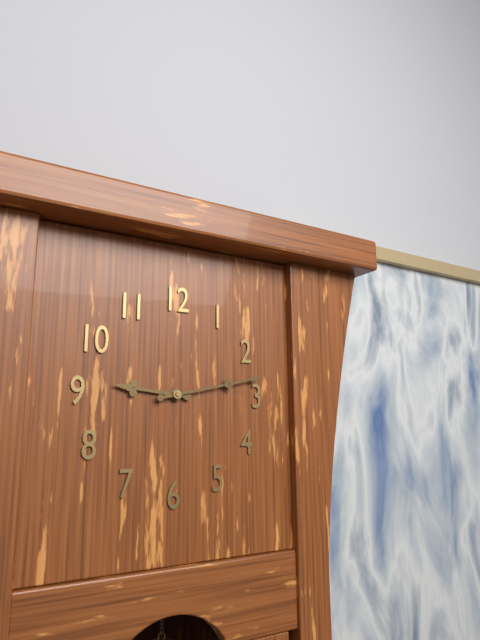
9:13
